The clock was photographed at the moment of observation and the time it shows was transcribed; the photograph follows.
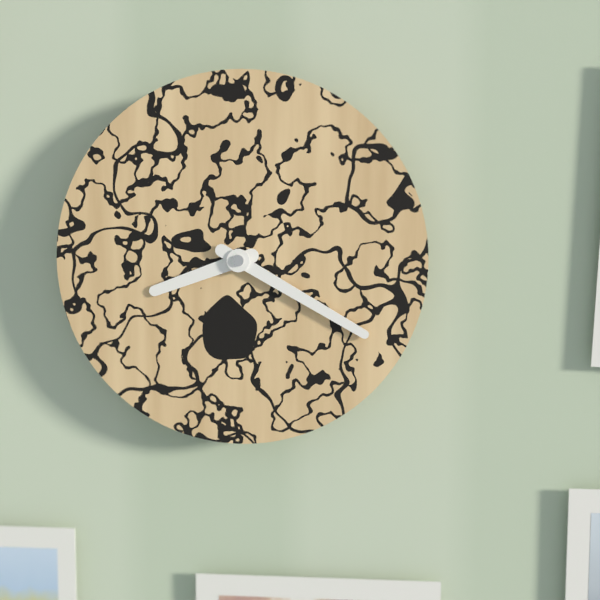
8:20
